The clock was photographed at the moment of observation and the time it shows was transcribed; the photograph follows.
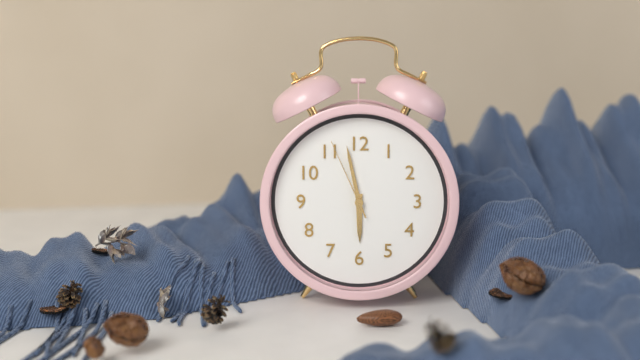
5:58:56
